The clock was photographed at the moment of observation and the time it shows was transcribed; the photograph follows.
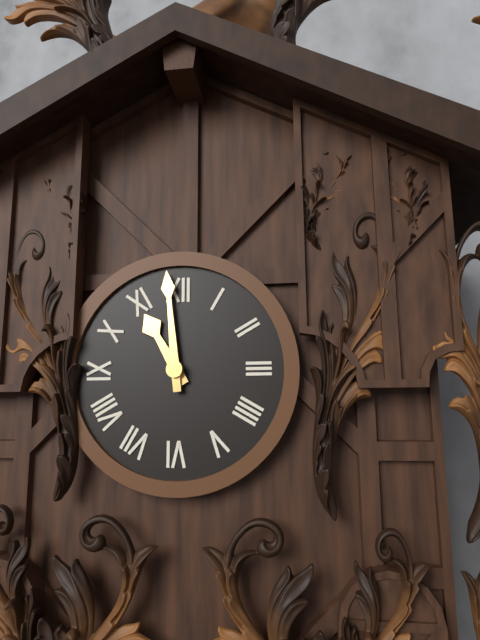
10:59
